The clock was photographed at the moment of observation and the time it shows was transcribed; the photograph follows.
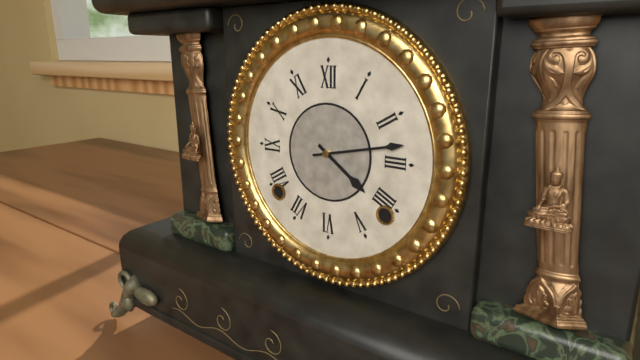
4:13
